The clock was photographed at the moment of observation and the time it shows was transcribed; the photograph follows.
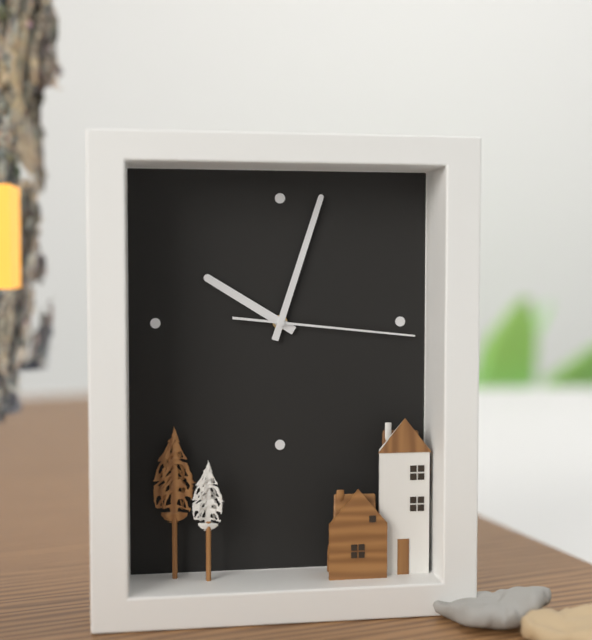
10:03:16
